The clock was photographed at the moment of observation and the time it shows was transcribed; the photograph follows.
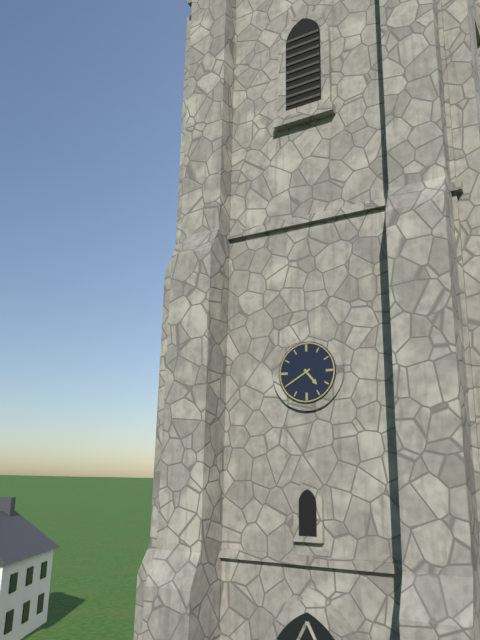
4:40
